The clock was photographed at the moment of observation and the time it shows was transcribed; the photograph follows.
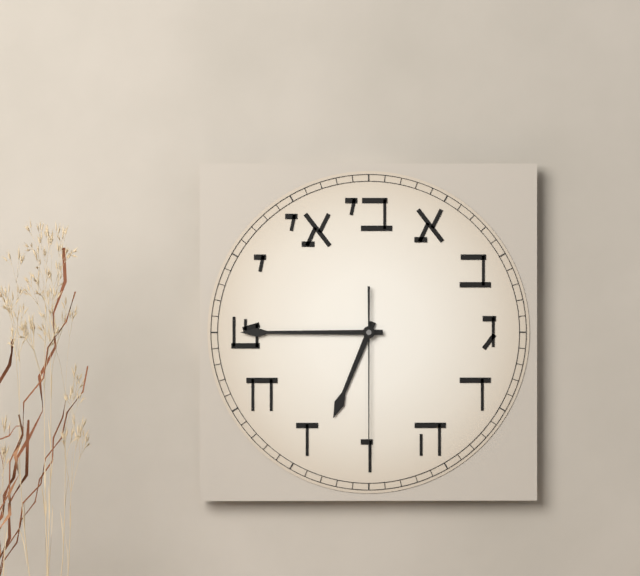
6:45:30
